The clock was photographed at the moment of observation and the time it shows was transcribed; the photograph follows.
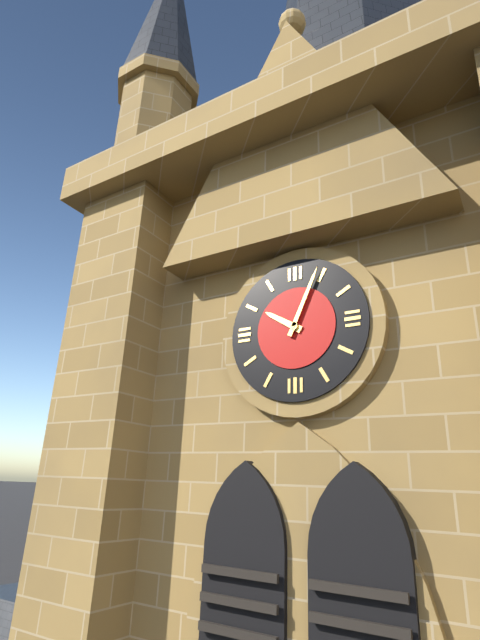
10:04
